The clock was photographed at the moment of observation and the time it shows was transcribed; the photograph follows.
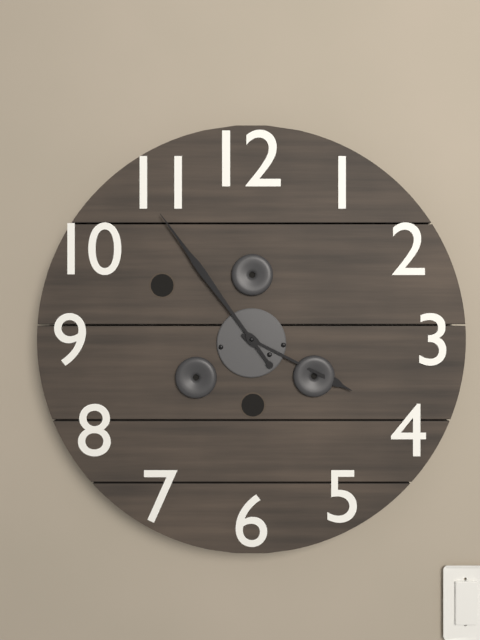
3:54
